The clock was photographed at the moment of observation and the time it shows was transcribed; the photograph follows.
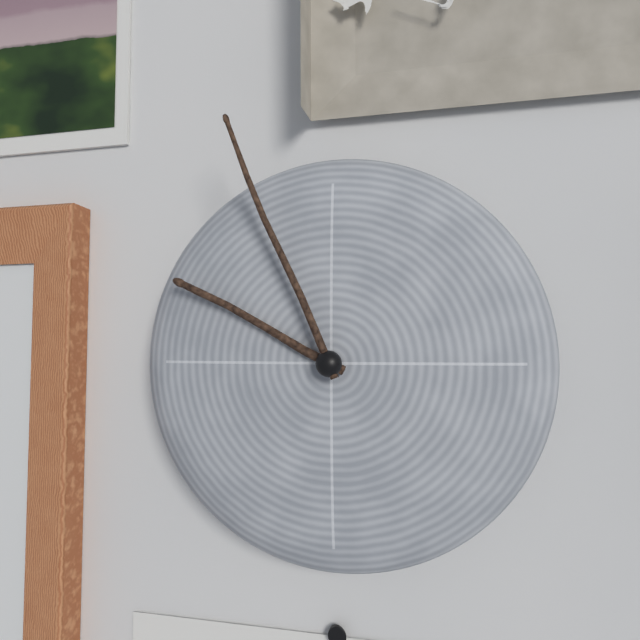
9:56
